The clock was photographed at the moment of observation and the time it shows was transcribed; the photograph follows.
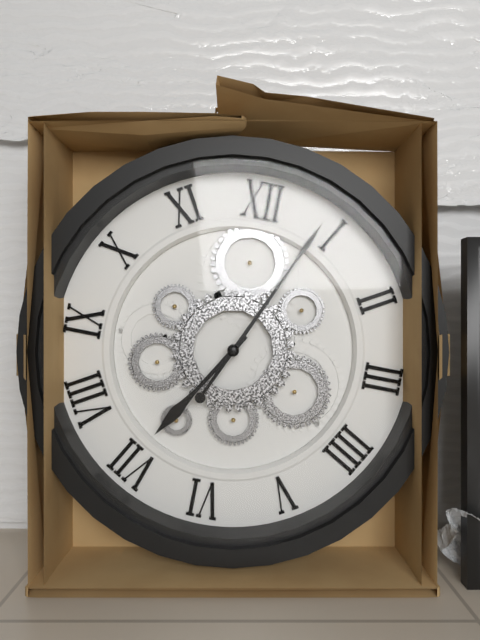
7:04
